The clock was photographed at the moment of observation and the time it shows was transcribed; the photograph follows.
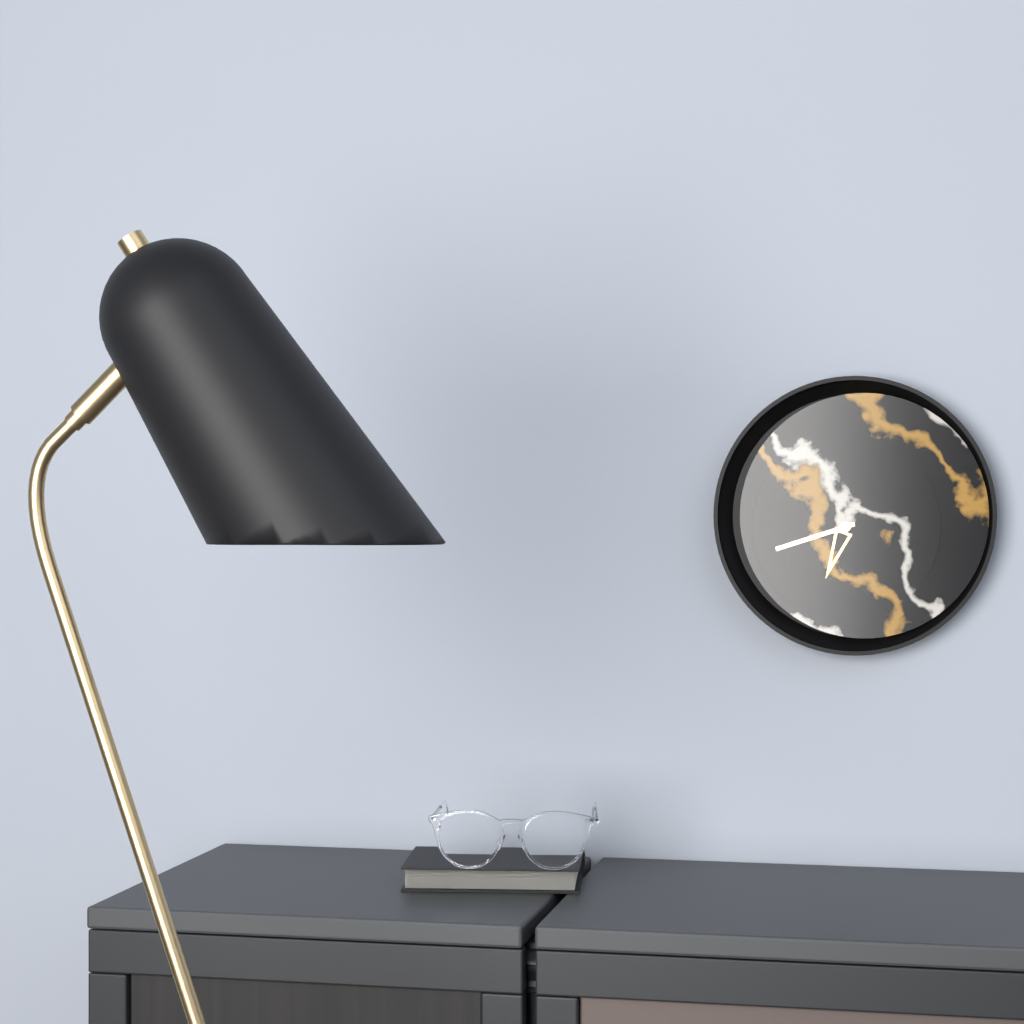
6:42
